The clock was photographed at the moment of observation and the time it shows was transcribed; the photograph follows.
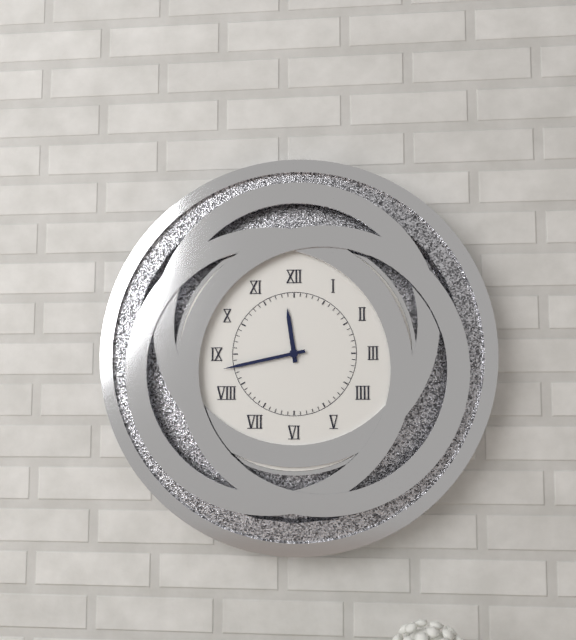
11:43
